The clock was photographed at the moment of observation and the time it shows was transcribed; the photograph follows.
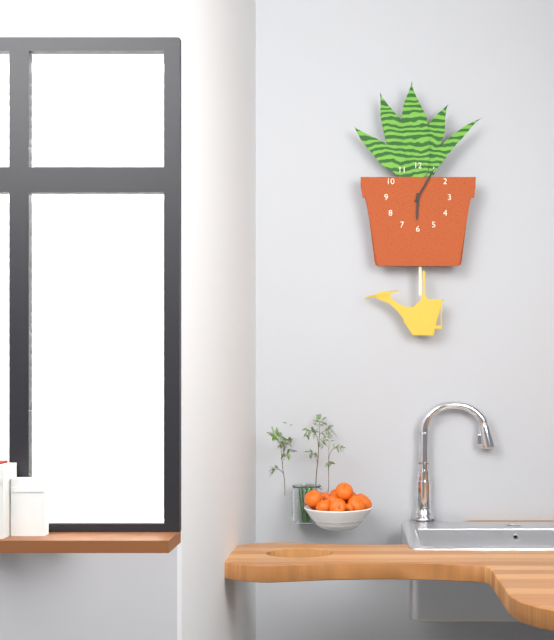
6:05
